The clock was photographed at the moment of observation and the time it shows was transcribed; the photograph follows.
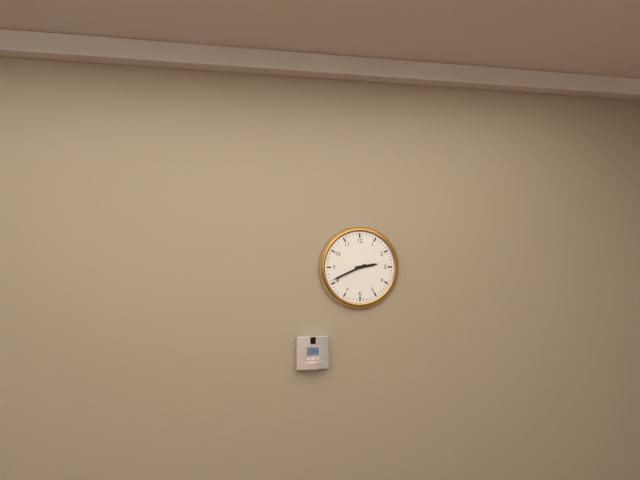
2:41
